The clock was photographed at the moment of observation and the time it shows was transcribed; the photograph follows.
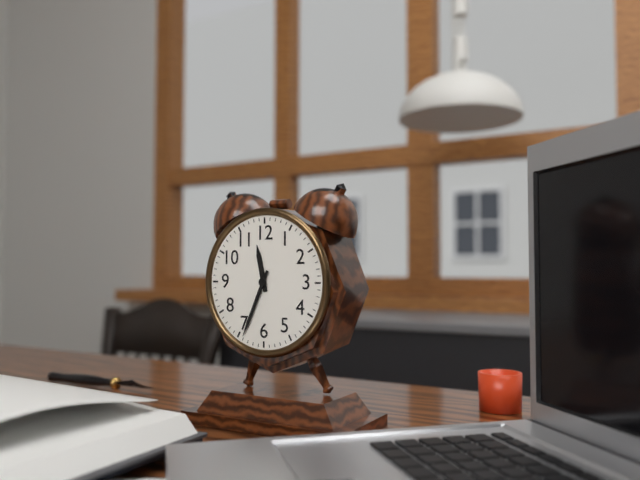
11:34
